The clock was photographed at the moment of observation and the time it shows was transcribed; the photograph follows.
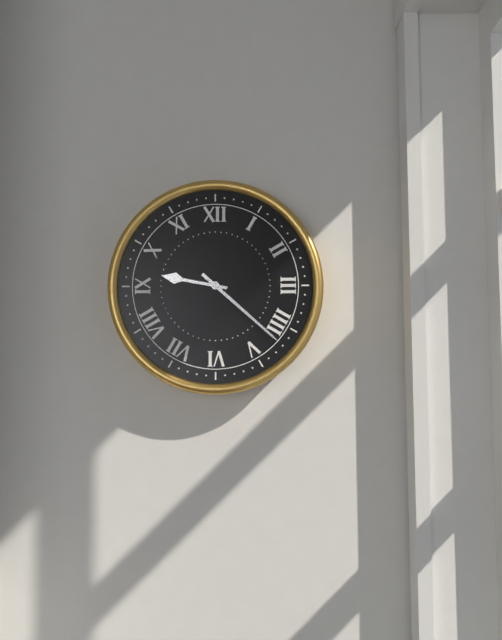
9:22
